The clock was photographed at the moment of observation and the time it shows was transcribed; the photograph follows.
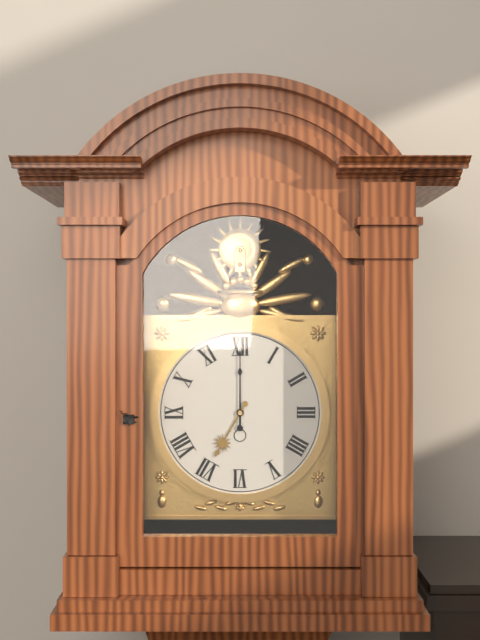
7:00
